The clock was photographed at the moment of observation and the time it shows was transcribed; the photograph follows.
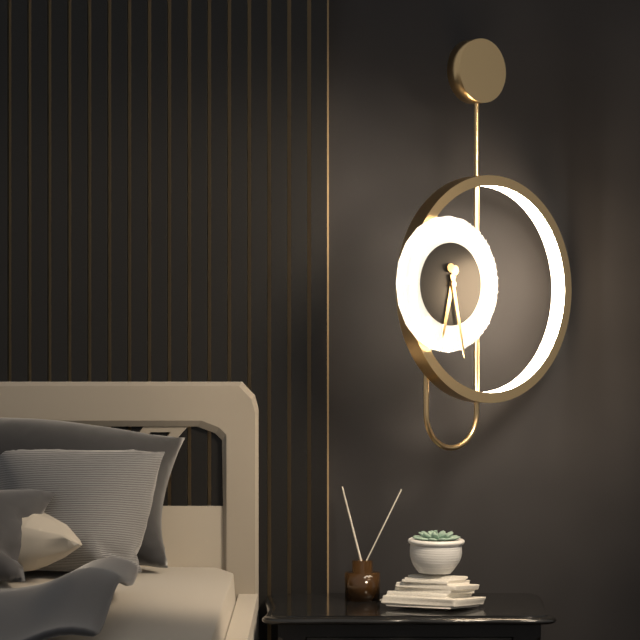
6:28
